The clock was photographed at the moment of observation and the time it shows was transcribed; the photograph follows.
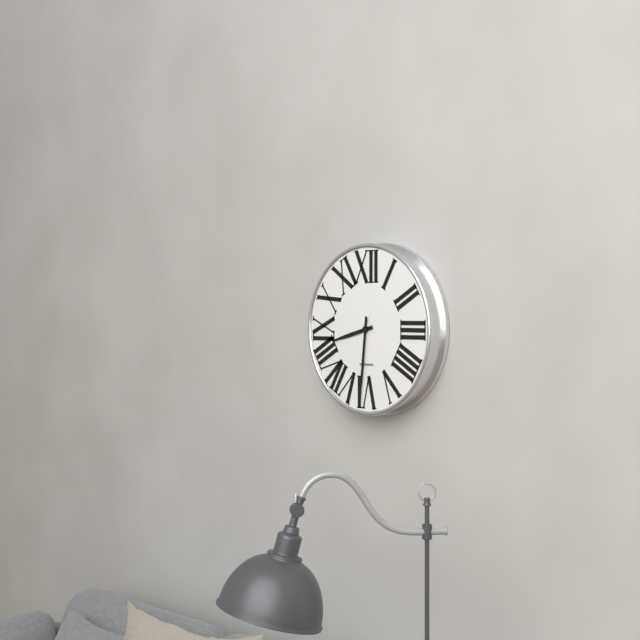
8:31
